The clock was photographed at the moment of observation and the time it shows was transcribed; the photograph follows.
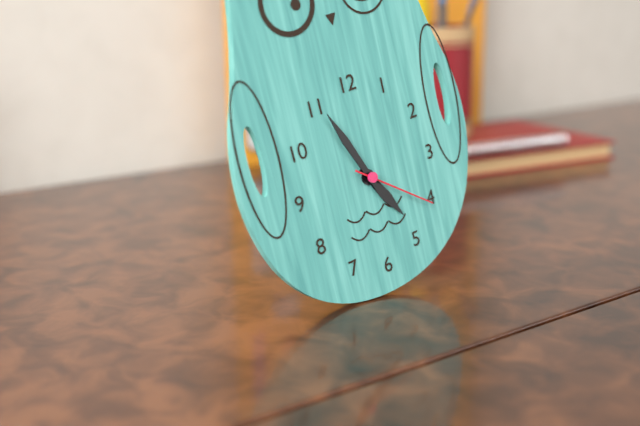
4:56:21
